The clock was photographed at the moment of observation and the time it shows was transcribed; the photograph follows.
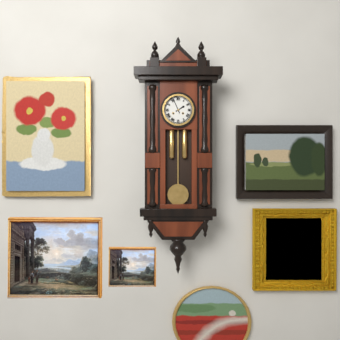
1:56
